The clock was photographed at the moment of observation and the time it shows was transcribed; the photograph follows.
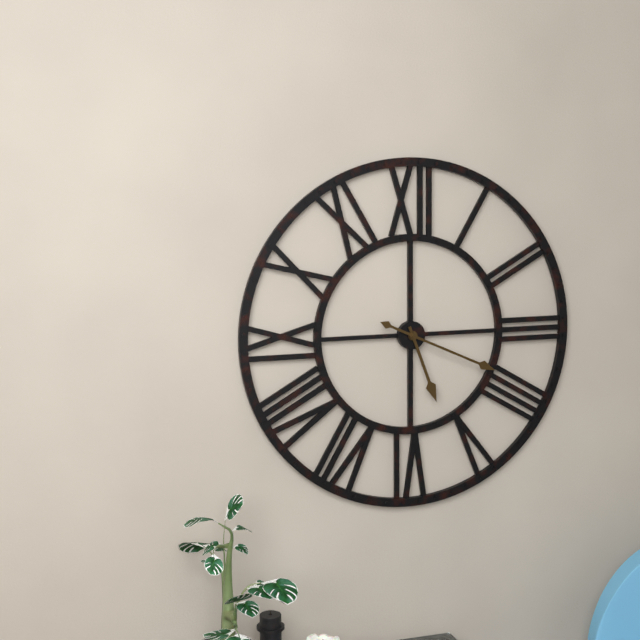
5:19
